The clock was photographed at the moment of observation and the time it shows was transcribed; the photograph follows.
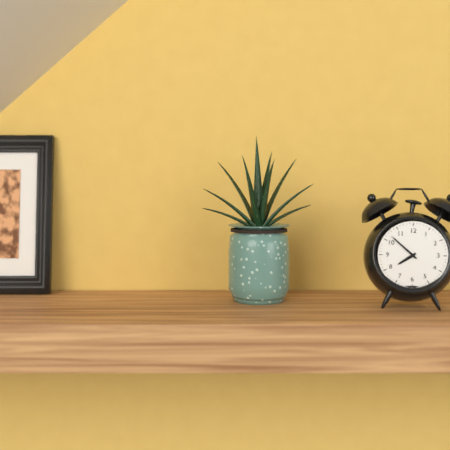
7:52
